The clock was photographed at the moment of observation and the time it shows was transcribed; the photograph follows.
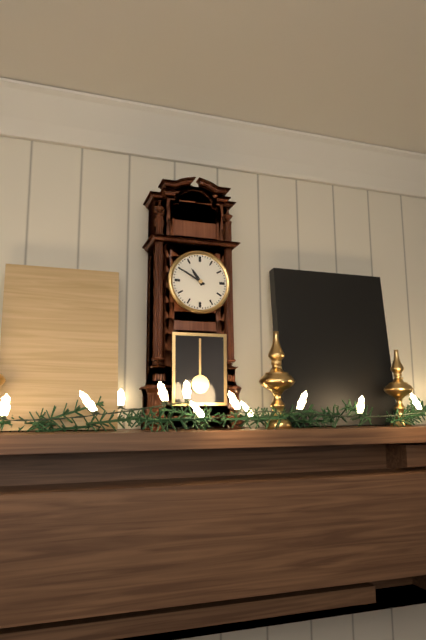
10:50
